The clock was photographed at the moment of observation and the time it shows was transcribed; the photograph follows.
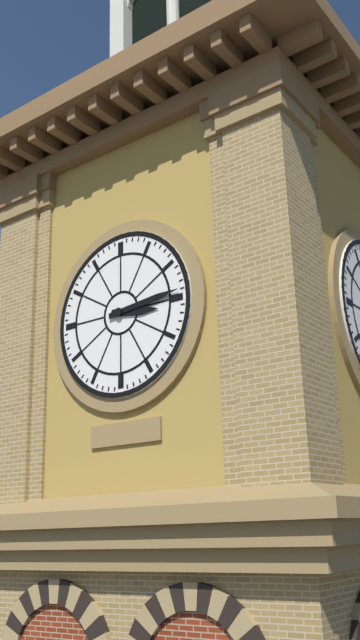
3:14
